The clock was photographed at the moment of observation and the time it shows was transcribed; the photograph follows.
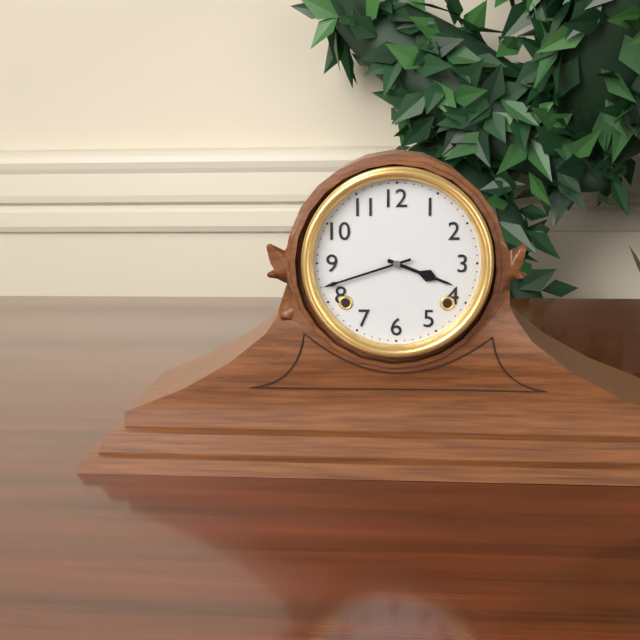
3:42
